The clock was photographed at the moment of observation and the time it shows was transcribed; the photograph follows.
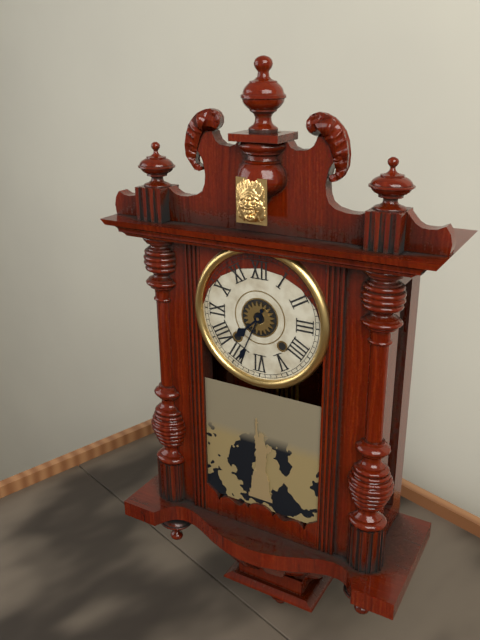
7:34
